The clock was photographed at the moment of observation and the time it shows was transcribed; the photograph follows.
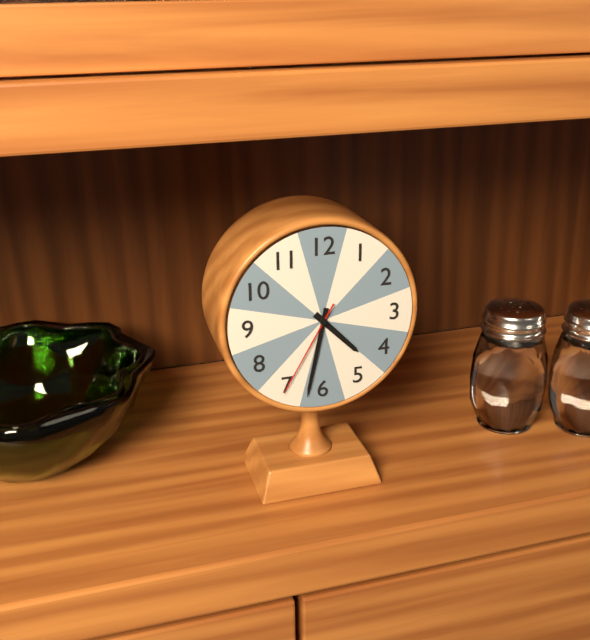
4:32:35
